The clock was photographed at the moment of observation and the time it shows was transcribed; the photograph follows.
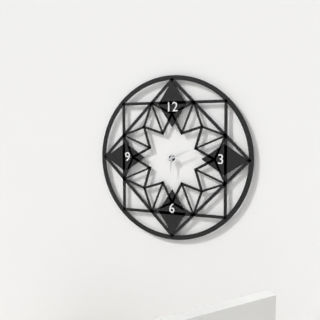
6:11
